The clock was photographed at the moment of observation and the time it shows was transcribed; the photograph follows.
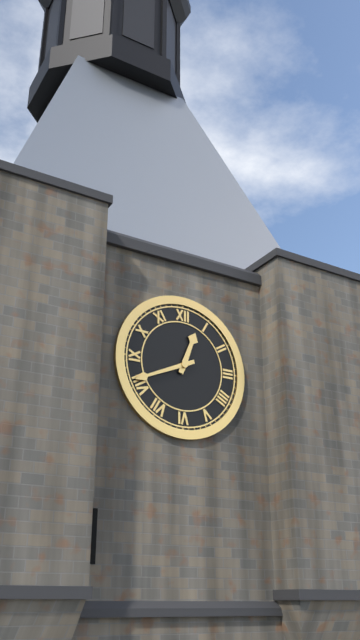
12:41
